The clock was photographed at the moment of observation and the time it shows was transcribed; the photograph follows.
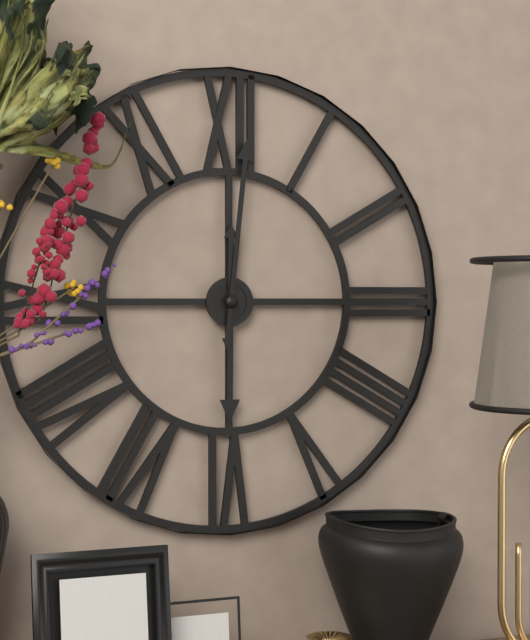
6:01
